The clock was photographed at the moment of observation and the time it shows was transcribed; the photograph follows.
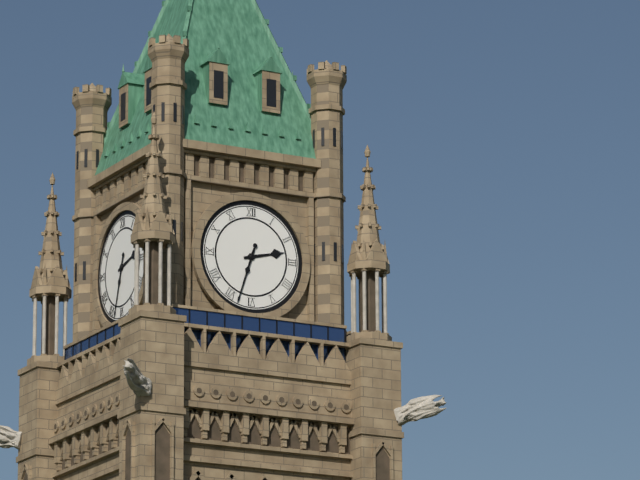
2:33
